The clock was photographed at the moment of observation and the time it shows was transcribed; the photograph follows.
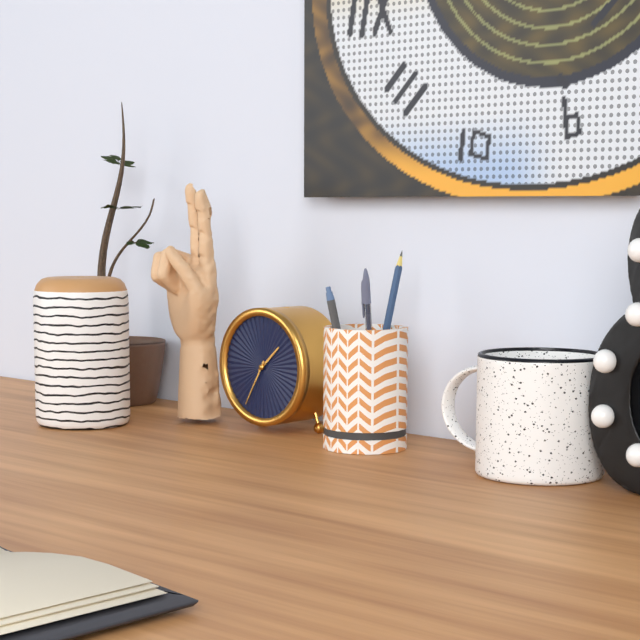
1:35
